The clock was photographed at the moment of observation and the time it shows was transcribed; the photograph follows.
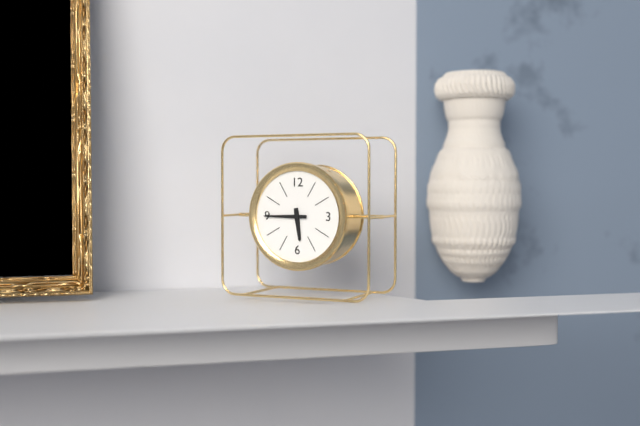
5:45
